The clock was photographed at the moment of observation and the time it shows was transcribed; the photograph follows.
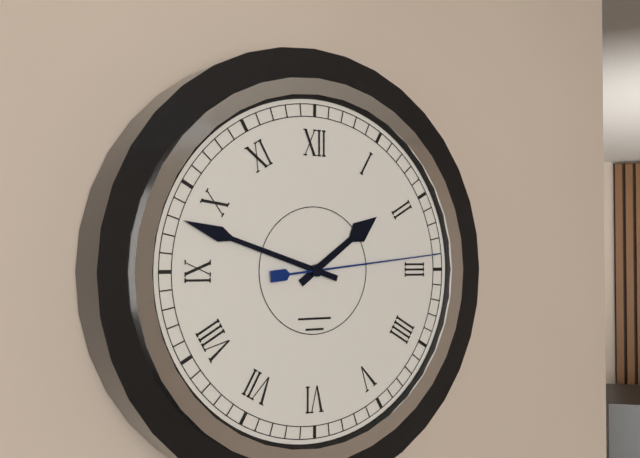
1:48:14
